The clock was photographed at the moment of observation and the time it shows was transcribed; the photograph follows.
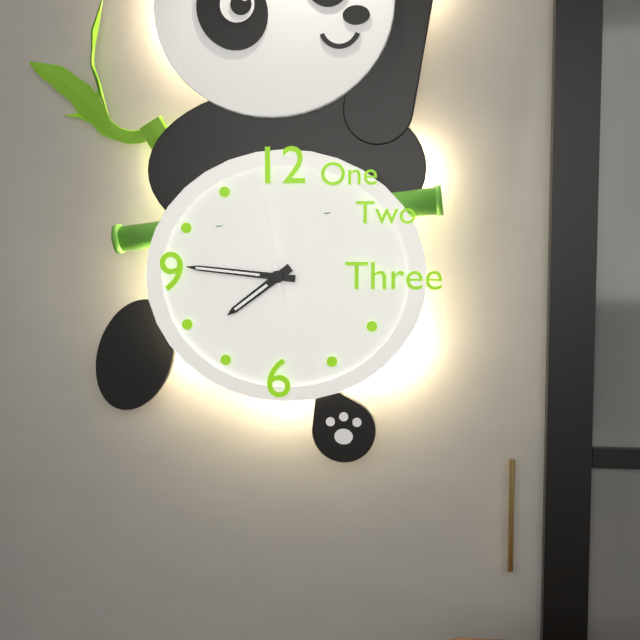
7:46:58
